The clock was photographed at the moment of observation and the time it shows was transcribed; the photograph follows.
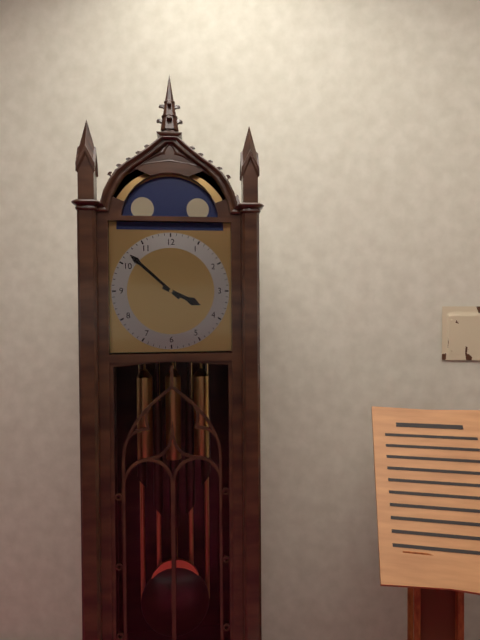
3:52
